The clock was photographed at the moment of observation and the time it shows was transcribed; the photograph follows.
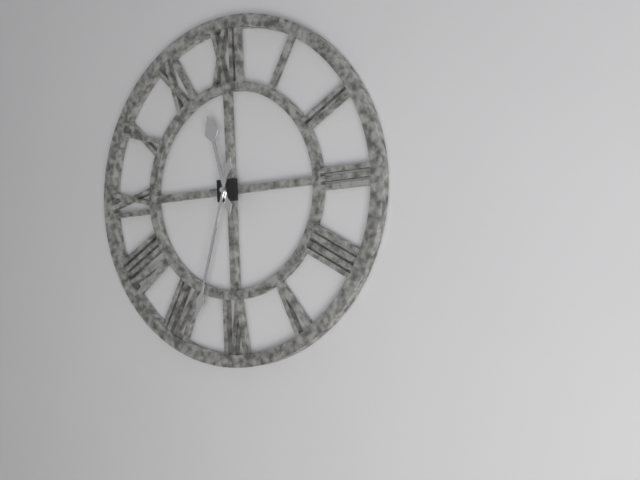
11:33
